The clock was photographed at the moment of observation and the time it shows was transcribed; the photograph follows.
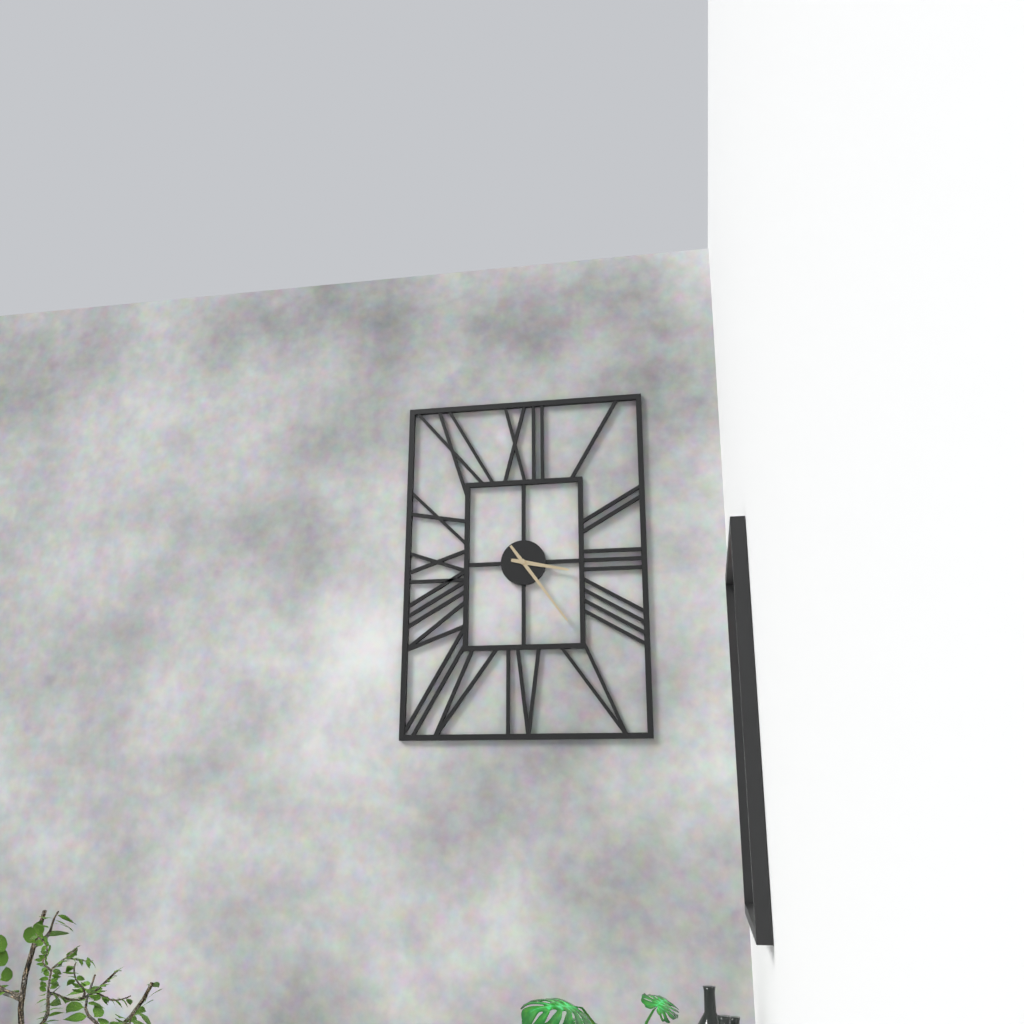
3:24
